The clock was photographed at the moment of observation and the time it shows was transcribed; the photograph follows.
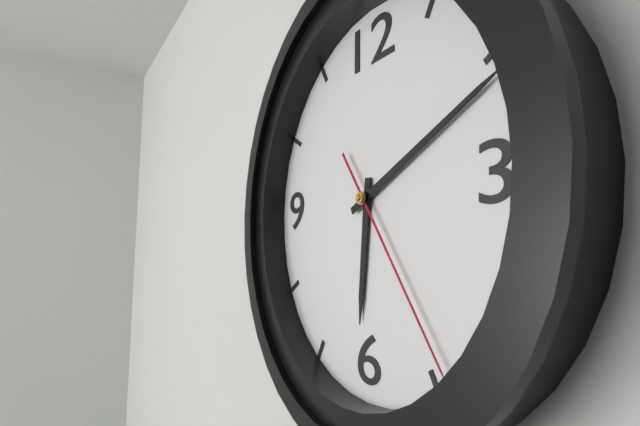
6:11:24
